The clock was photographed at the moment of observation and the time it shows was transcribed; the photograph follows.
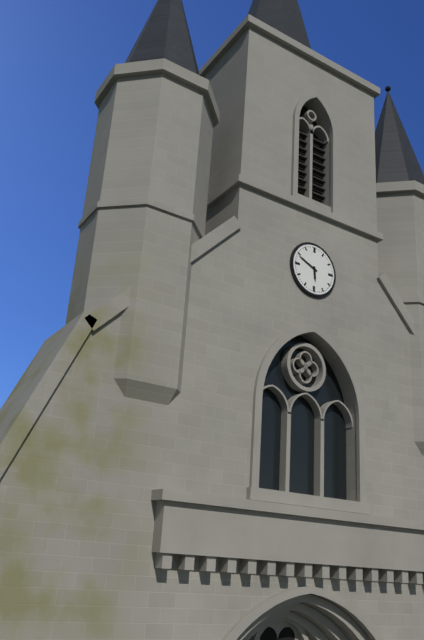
5:49
